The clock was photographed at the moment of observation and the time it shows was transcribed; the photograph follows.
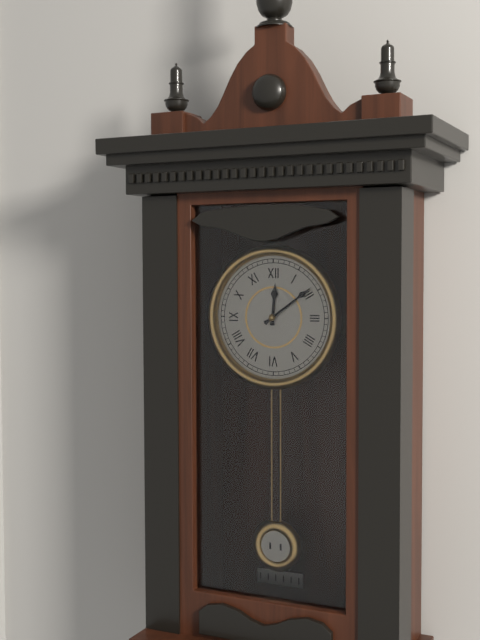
12:09
